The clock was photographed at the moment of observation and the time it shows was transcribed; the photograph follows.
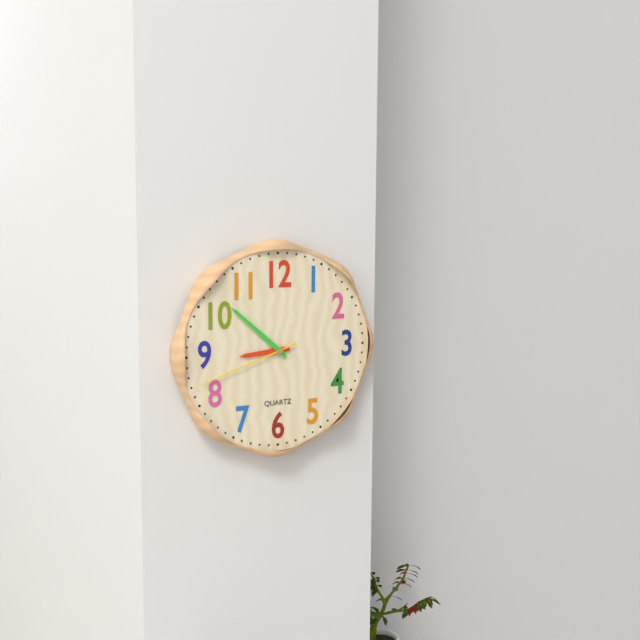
8:52:42
